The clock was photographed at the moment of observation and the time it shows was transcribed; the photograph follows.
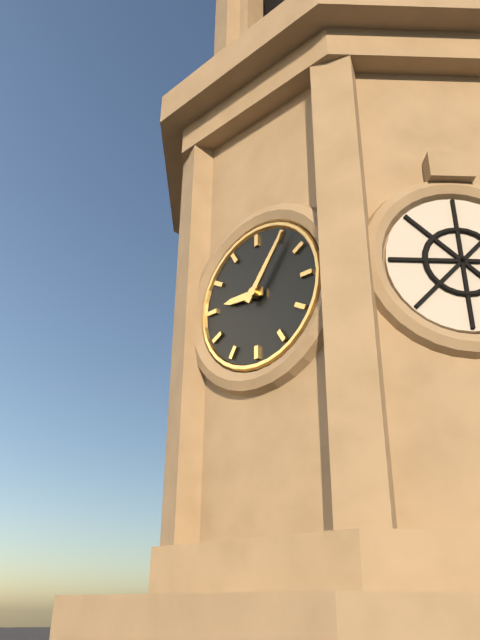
9:06
